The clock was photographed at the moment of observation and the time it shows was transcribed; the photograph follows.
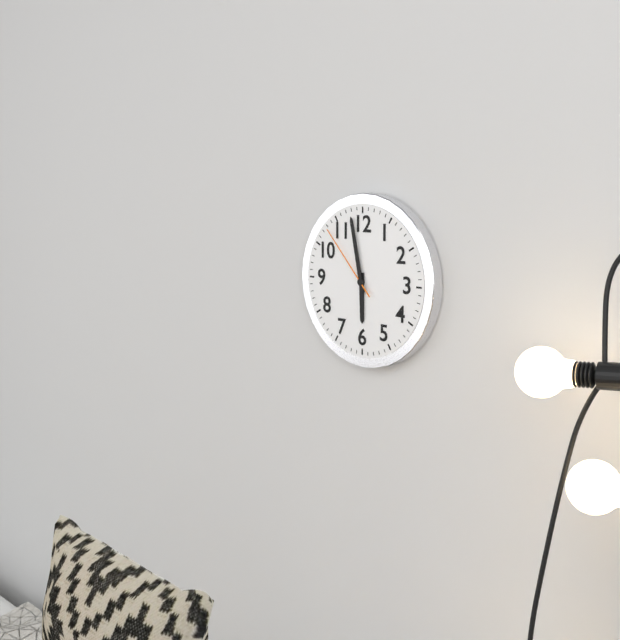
5:58:53
